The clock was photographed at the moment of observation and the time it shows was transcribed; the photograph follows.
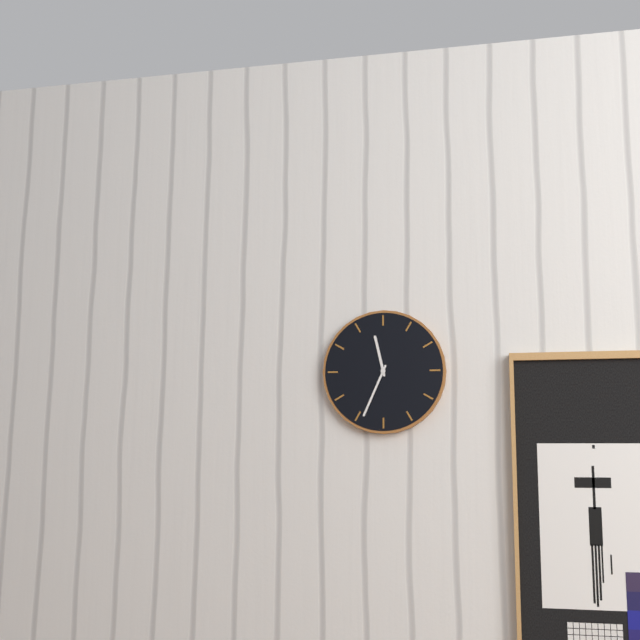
11:34
